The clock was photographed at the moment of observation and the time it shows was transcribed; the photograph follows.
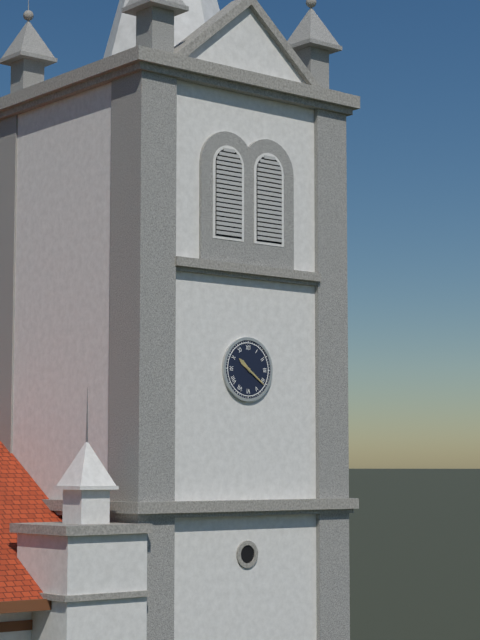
10:21
